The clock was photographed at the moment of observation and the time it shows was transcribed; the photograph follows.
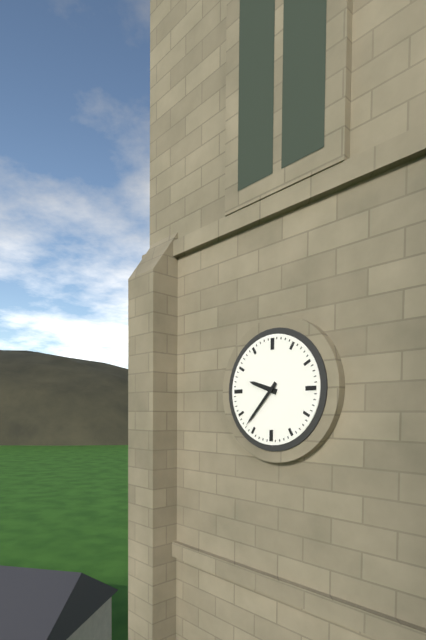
9:37
